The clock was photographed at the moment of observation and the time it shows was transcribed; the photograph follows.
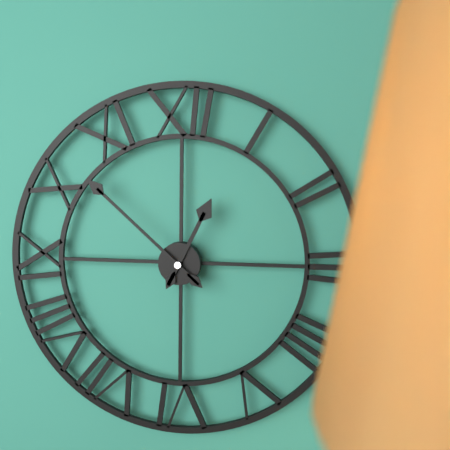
12:52
